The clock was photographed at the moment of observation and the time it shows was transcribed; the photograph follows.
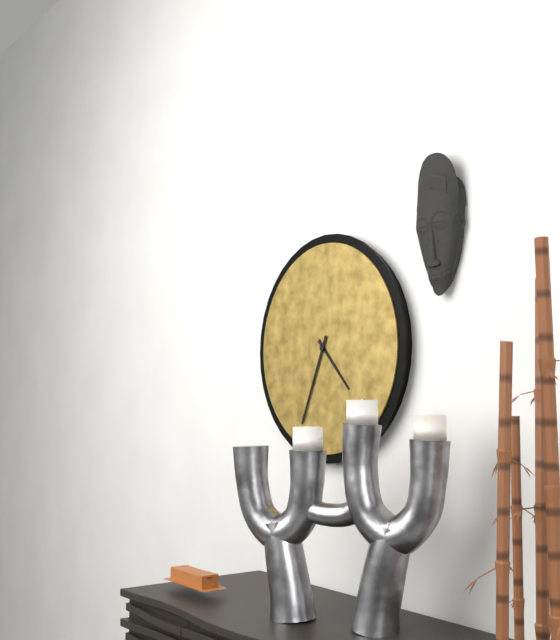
4:34
